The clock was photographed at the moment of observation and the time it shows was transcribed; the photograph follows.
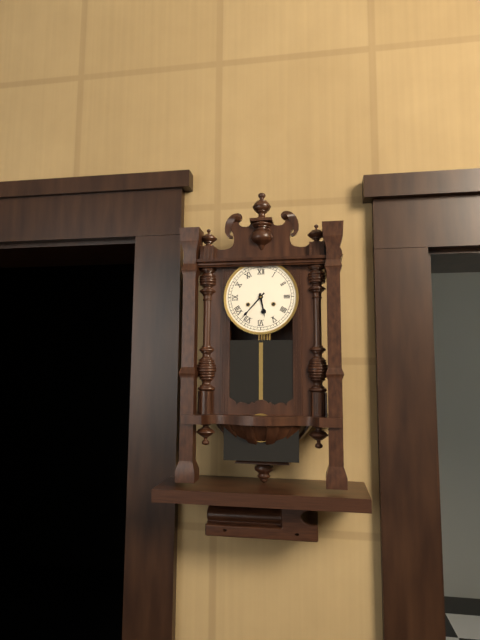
5:37
